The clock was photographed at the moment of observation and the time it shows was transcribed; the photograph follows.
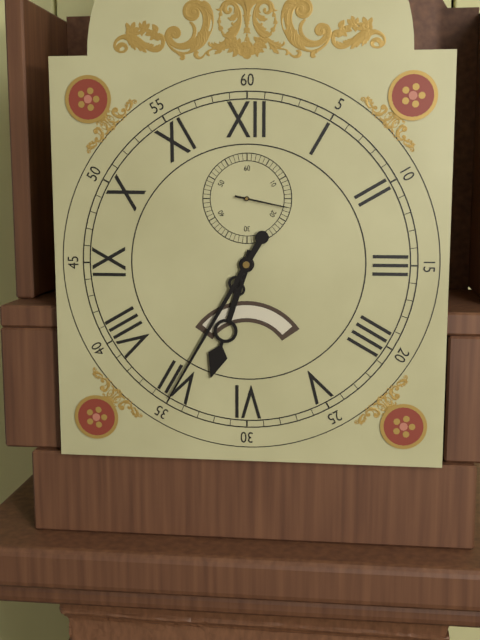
6:35:17
